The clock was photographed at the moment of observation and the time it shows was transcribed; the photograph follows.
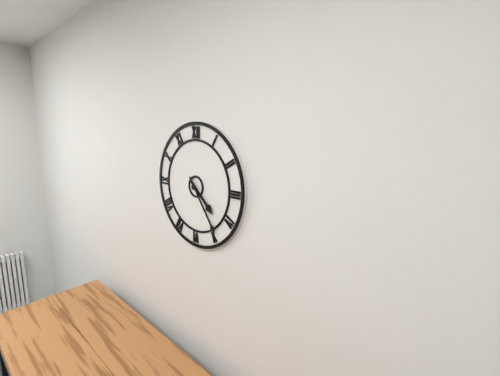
4:24
